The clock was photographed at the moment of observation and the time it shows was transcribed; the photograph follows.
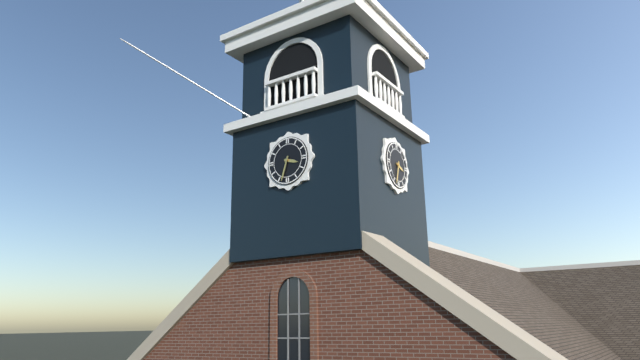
3:33
